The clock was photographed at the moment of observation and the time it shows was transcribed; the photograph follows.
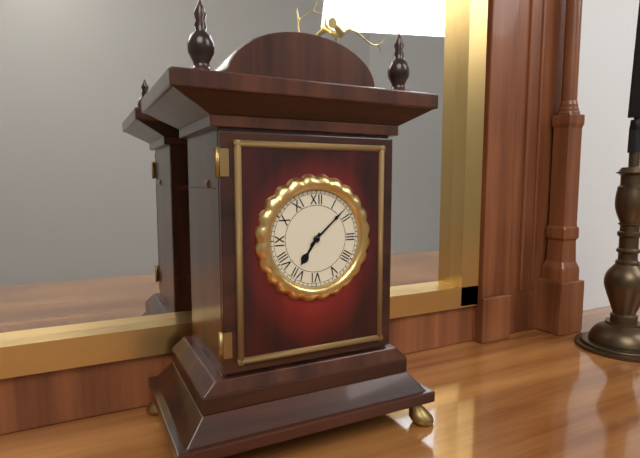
7:08
